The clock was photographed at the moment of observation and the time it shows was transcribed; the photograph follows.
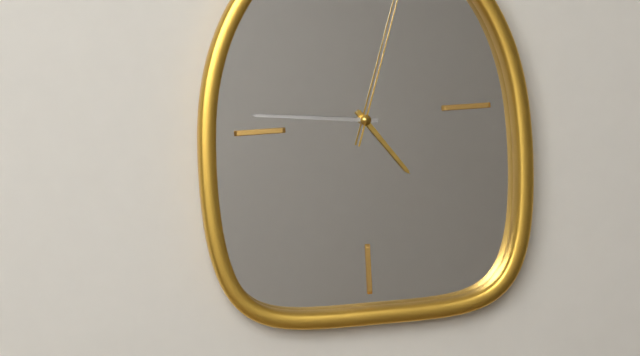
4:46
